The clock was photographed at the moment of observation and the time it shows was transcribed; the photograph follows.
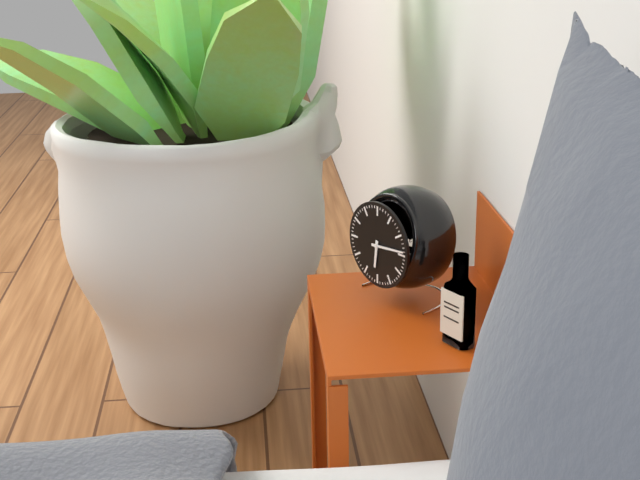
6:14
